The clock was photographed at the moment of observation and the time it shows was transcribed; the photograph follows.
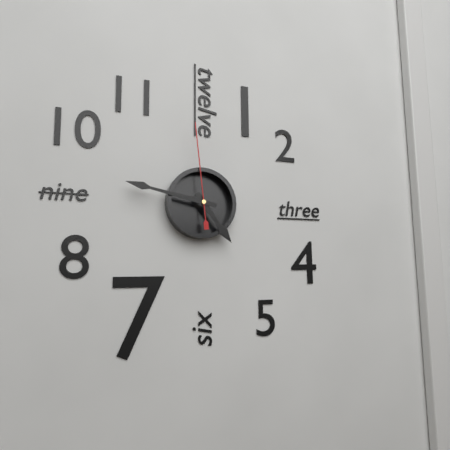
4:47:59
